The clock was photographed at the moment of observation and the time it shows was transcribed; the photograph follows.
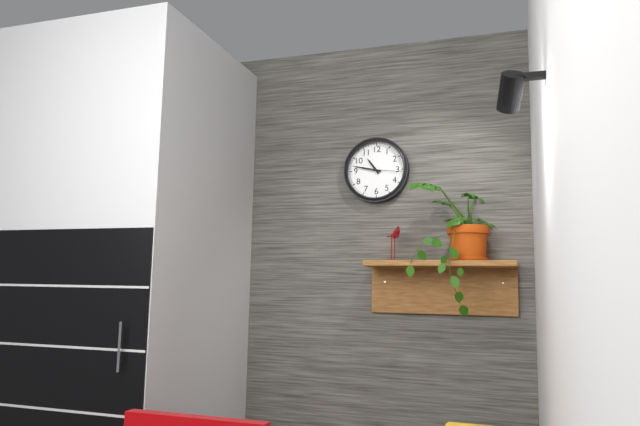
10:47
